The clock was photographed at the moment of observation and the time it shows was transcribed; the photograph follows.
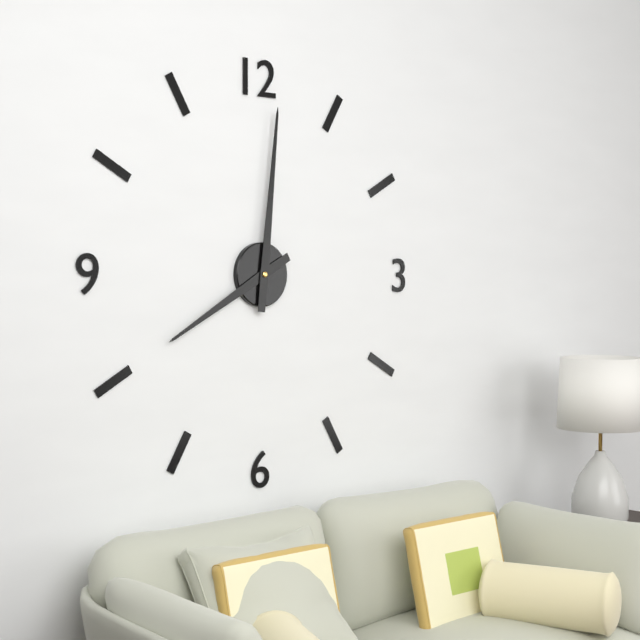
8:01
